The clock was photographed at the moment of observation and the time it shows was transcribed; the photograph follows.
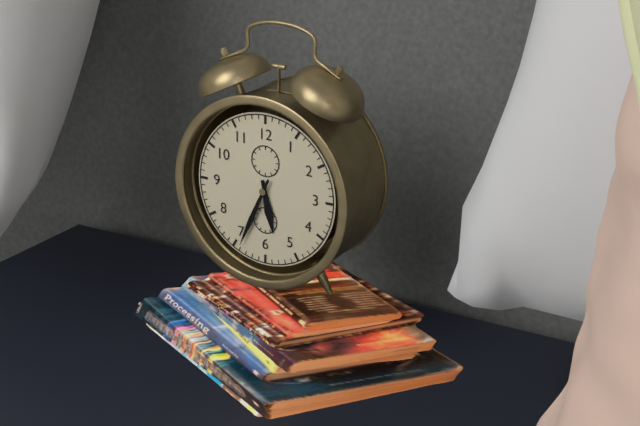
5:34
